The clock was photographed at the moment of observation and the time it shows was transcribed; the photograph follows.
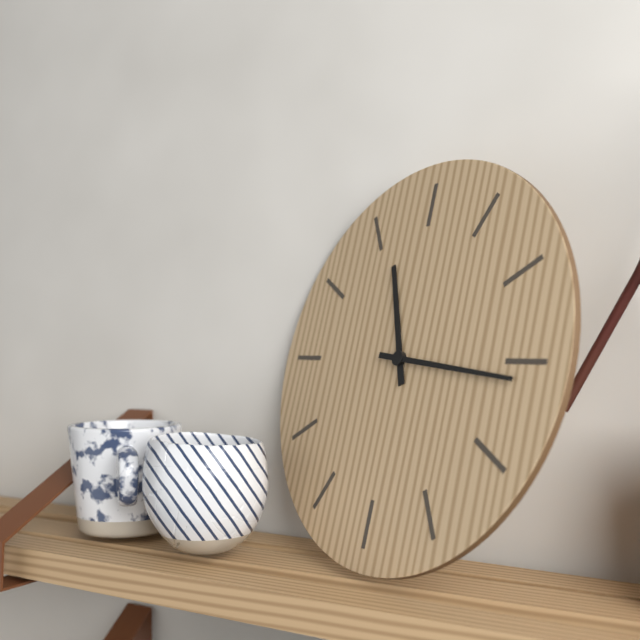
11:16
